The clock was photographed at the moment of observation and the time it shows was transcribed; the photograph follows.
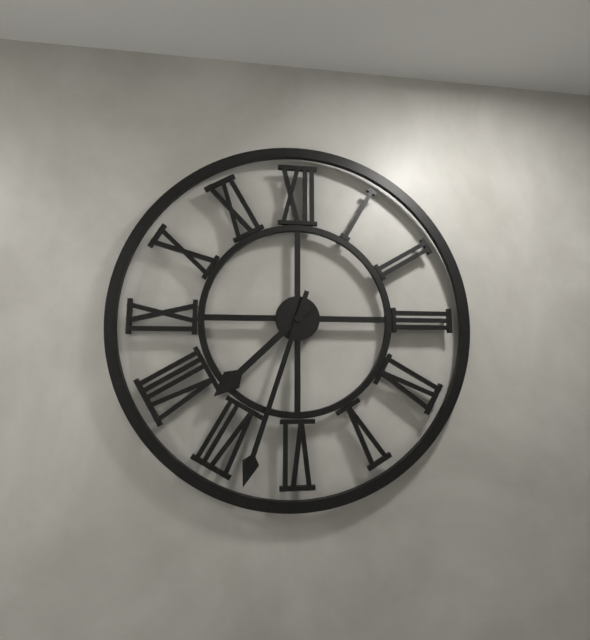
7:33
